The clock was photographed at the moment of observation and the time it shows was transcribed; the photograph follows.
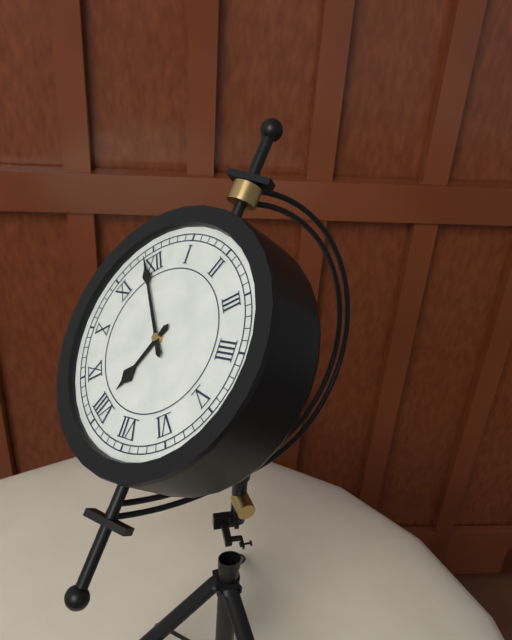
7:59
